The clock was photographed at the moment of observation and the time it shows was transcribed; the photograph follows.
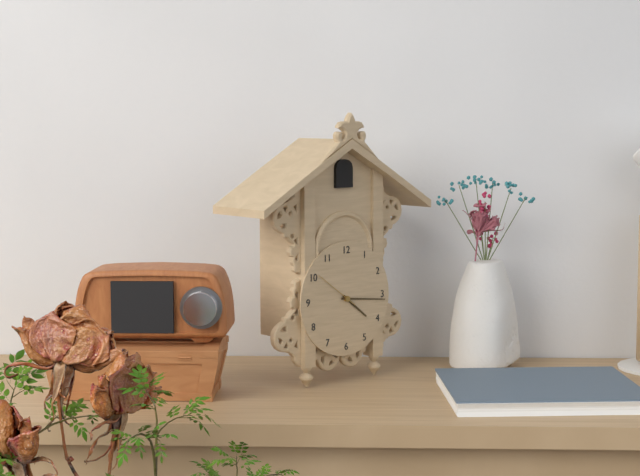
4:16
